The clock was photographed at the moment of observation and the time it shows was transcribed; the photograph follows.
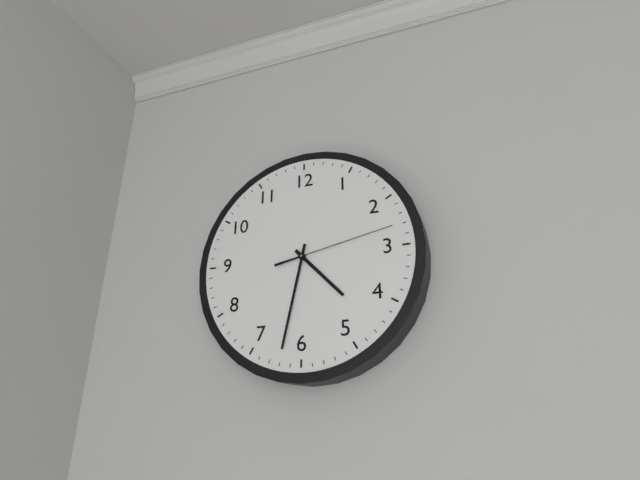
4:32:13
